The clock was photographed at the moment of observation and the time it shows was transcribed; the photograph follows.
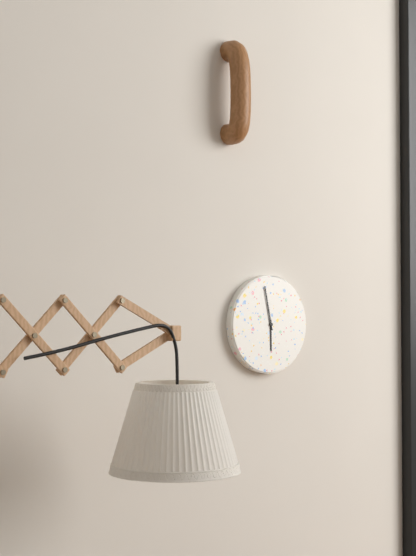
5:58
